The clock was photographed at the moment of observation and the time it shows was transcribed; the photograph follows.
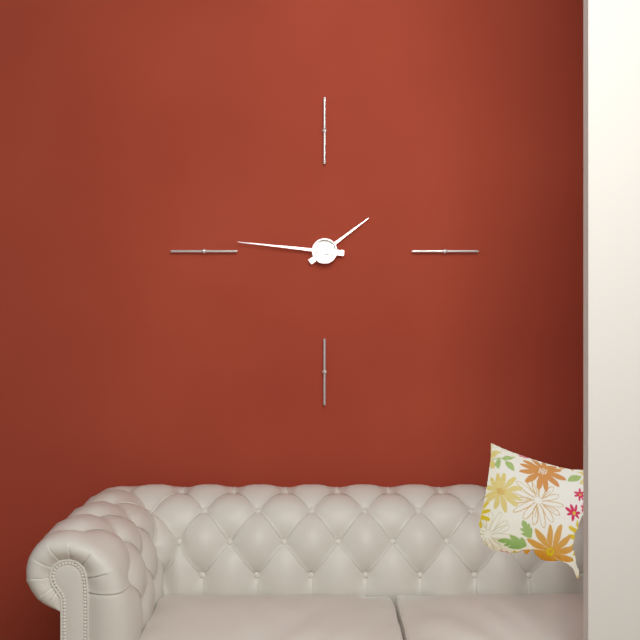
1:46
